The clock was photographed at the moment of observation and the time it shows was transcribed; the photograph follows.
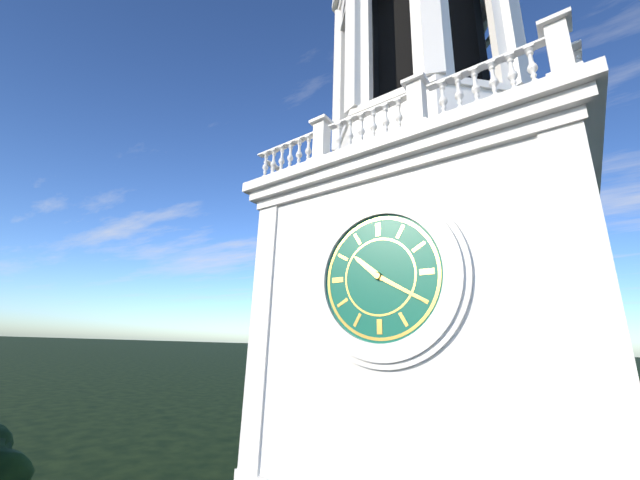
10:20
